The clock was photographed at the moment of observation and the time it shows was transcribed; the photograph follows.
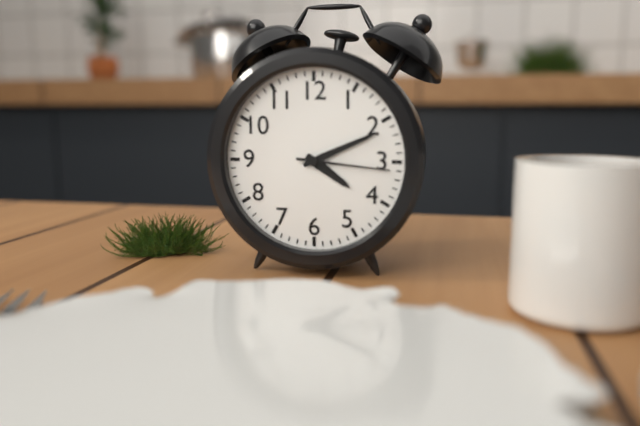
4:11:16
